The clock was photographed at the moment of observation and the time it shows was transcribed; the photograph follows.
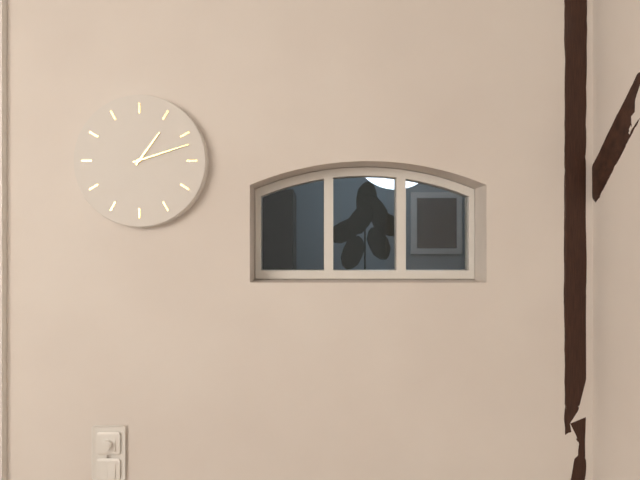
1:12
